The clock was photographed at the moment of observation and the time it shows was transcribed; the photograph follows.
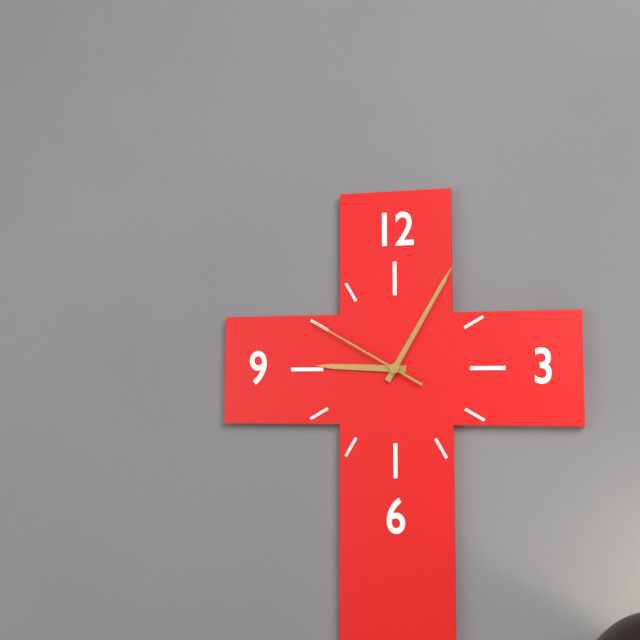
9:05:50
